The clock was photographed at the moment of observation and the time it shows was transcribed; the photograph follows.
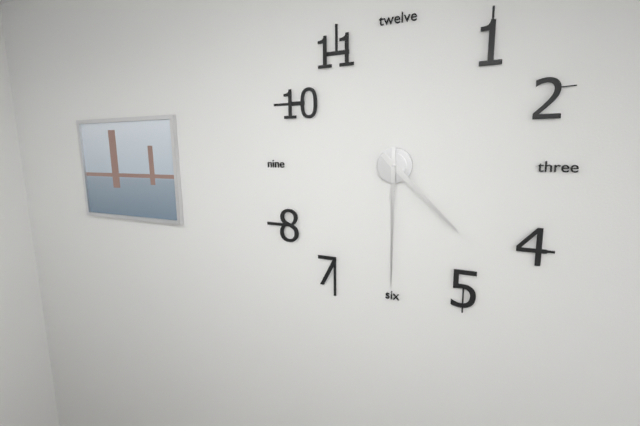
4:30
